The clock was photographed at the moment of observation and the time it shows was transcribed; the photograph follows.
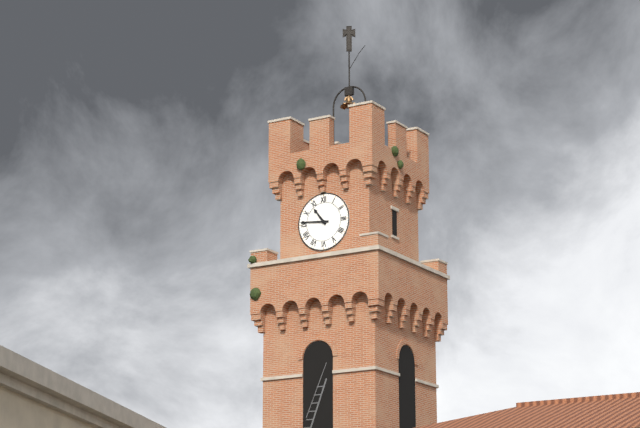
10:46
